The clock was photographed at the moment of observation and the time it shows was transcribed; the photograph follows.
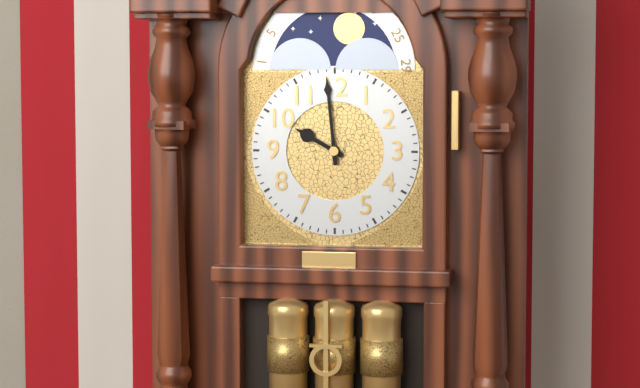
9:59
